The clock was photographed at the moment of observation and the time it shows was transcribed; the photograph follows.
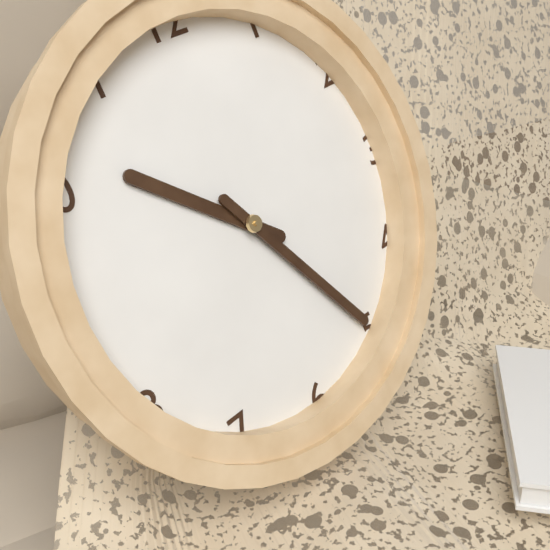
10:25
